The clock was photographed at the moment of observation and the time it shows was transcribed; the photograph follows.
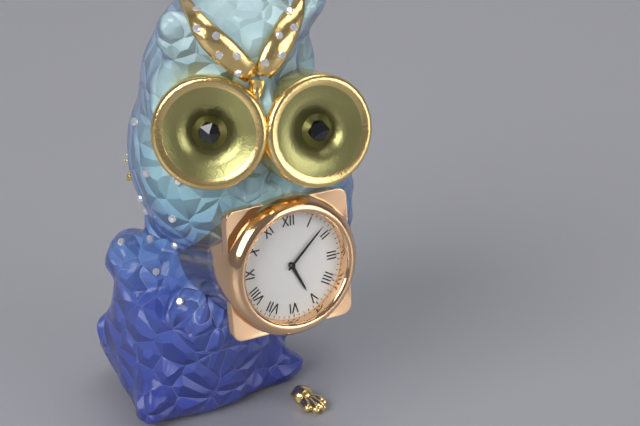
5:08
